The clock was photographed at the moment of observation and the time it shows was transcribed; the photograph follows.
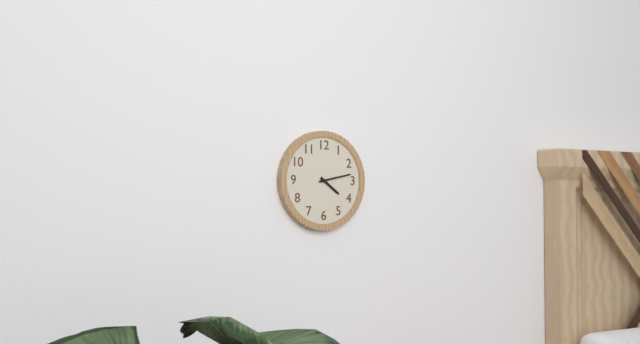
4:13
